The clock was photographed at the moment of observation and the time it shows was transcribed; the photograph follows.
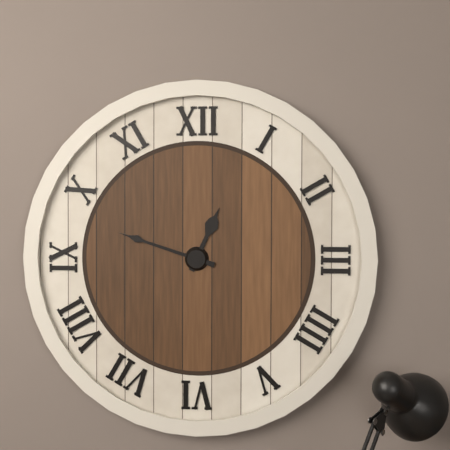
12:48
